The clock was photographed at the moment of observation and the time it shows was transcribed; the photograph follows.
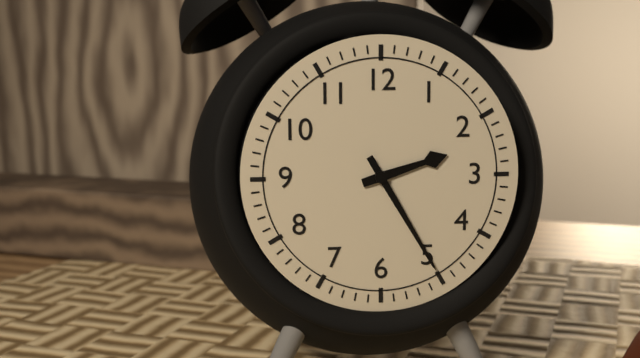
2:25
